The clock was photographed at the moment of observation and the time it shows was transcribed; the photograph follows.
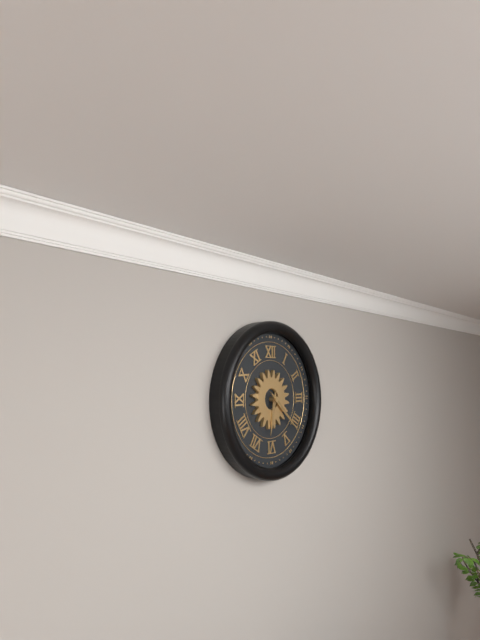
6:22
